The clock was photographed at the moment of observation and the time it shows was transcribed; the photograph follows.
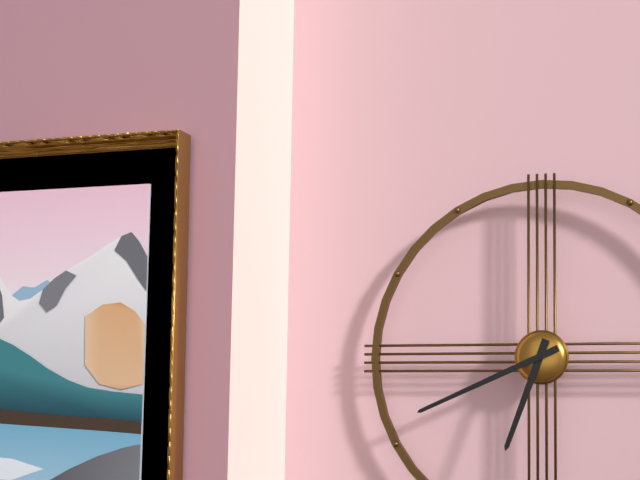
6:41
